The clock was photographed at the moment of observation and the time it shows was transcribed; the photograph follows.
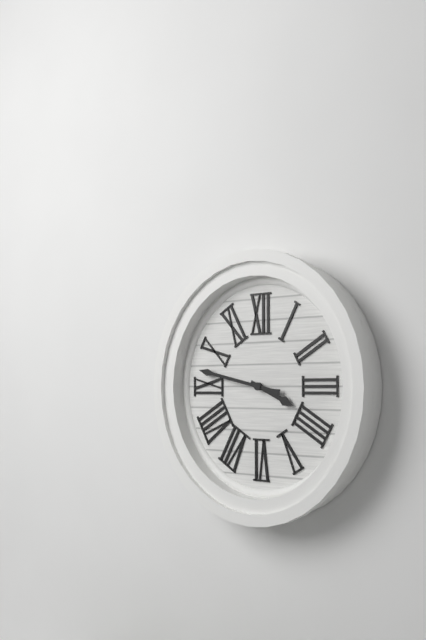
3:47
